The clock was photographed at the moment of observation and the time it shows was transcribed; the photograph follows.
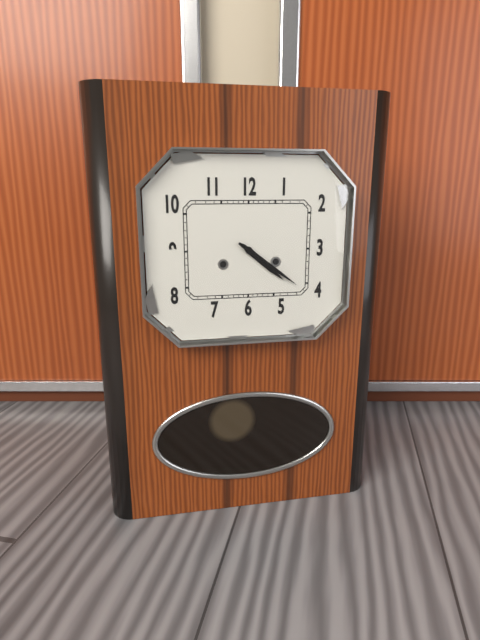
4:21
